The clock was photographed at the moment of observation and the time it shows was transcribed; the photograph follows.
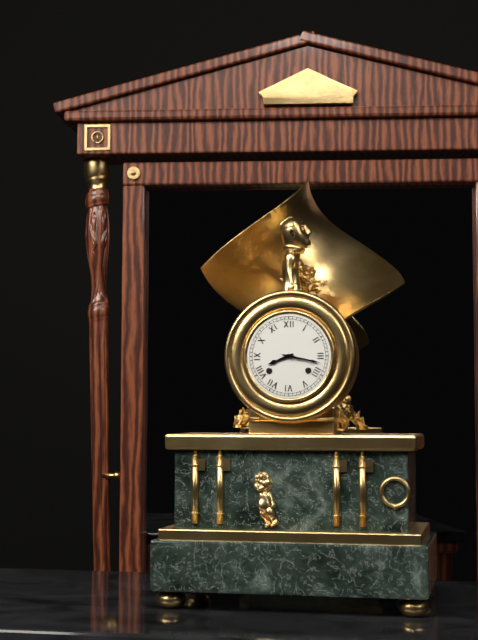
8:17
